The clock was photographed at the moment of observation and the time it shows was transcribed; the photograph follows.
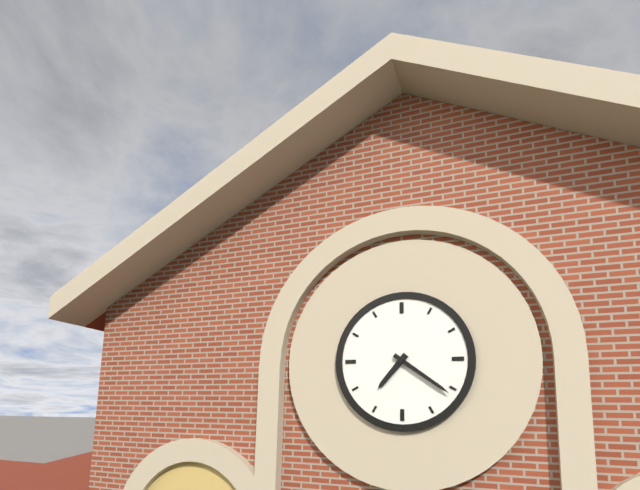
7:21
